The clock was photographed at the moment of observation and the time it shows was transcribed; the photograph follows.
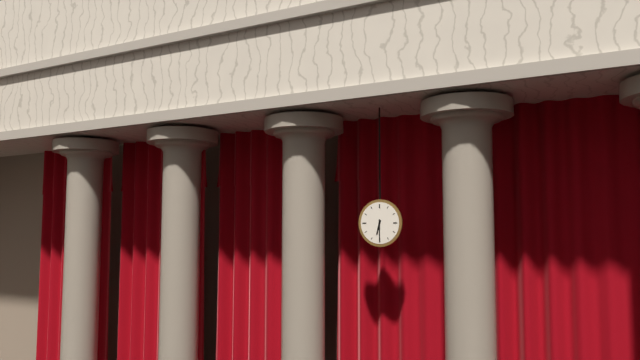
6:30
